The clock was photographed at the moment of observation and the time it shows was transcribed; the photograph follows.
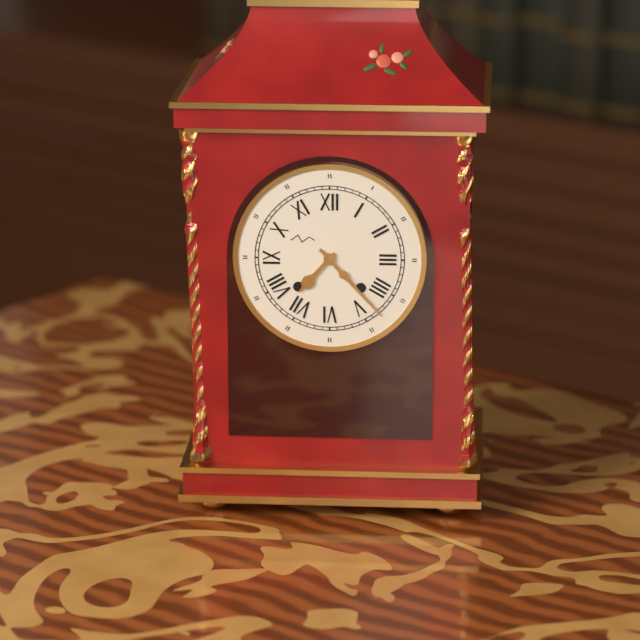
7:23
